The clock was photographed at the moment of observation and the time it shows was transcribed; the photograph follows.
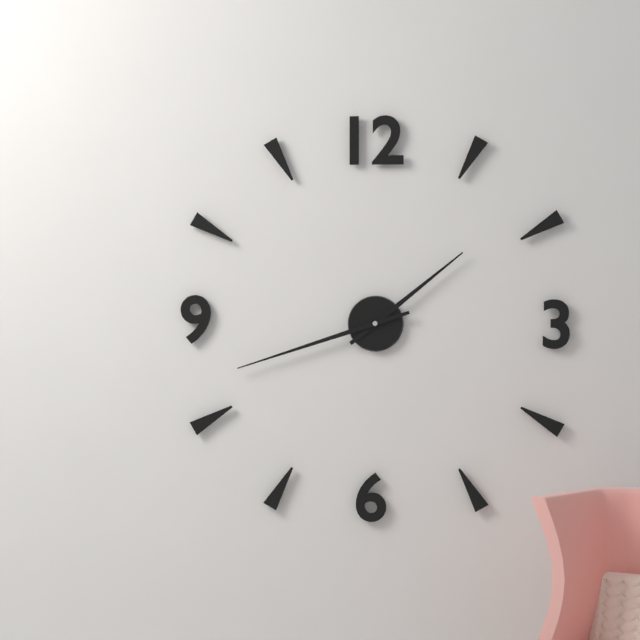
1:42
